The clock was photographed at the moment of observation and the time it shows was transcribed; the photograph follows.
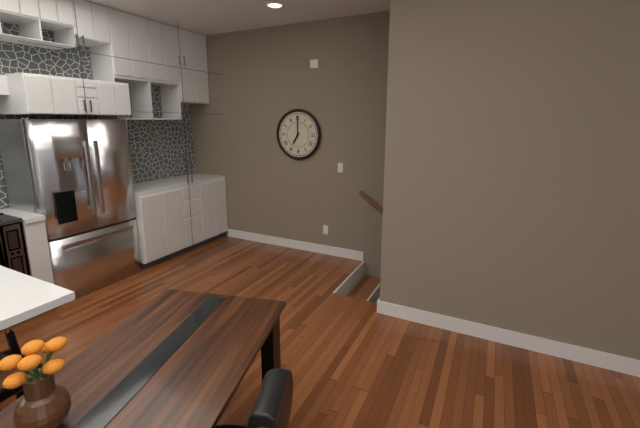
7:00
